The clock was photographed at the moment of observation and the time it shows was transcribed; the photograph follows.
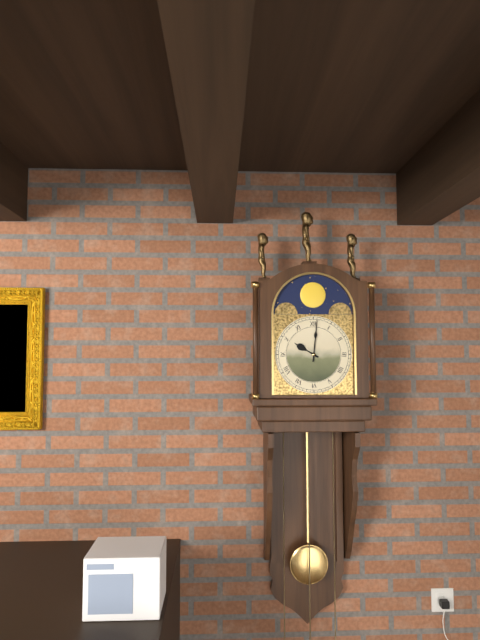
10:01
